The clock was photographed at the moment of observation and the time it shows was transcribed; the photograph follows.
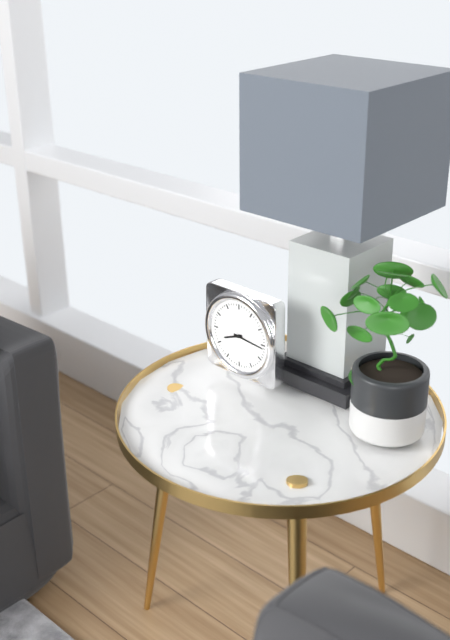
8:16
